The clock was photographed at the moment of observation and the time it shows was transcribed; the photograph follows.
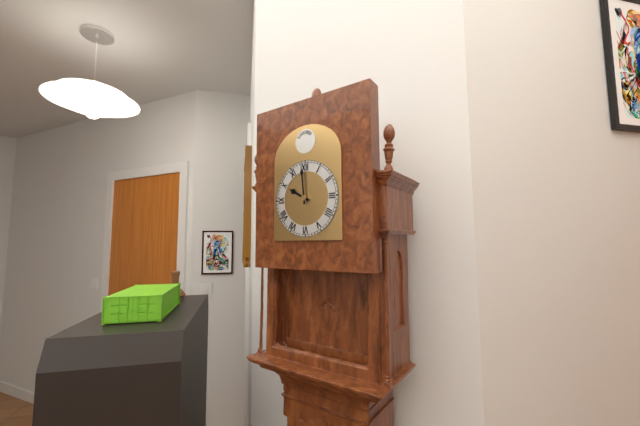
9:59
